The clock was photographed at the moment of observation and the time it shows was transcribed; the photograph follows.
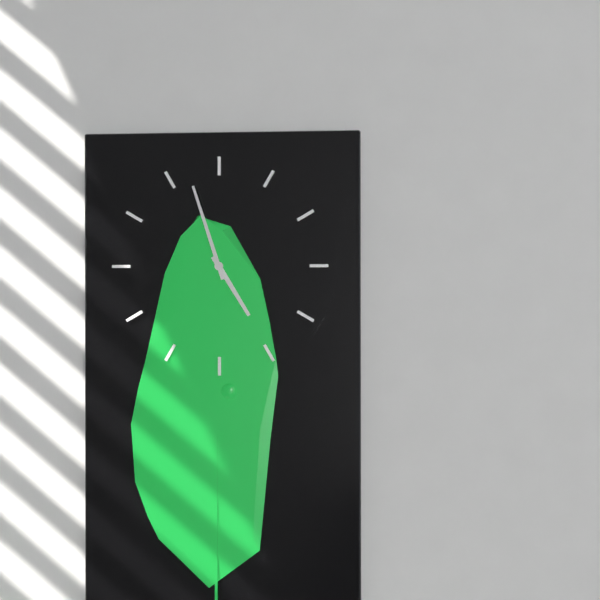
4:57
